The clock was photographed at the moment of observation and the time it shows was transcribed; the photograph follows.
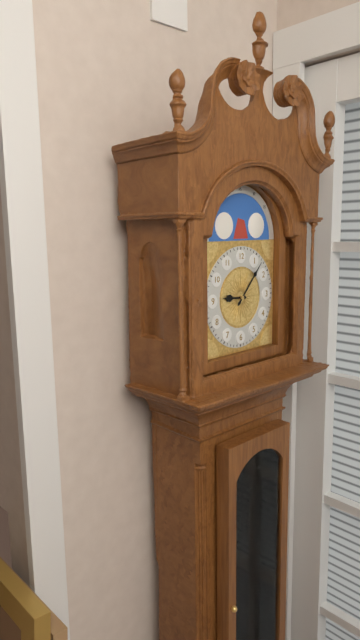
9:07
